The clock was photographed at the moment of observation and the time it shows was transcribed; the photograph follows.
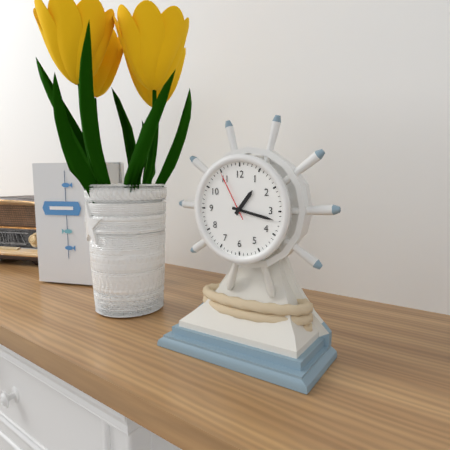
1:17:55
